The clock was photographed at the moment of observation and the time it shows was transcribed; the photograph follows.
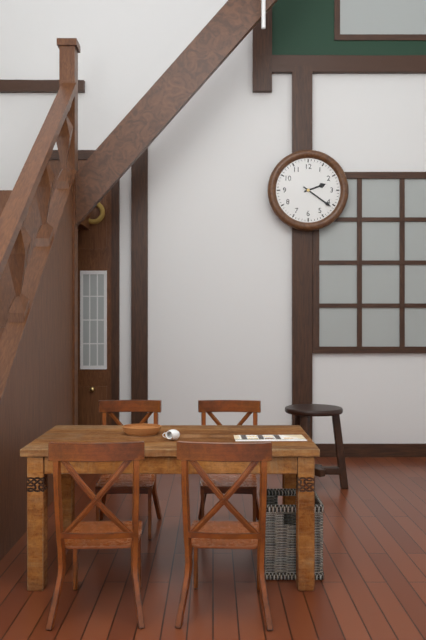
2:21
